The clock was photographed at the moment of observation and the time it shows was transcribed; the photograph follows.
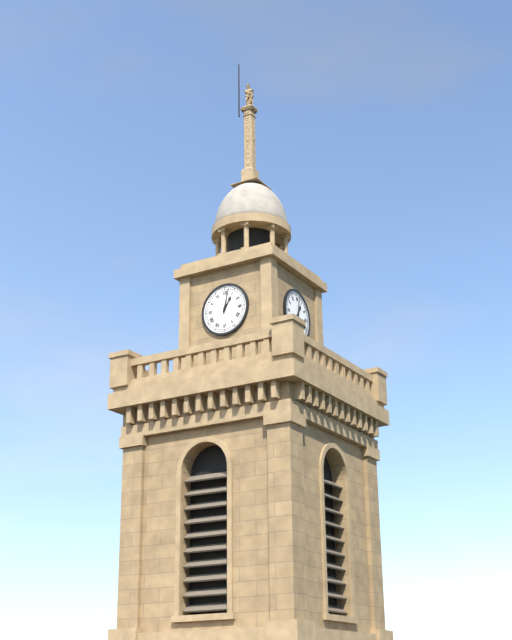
1:02
